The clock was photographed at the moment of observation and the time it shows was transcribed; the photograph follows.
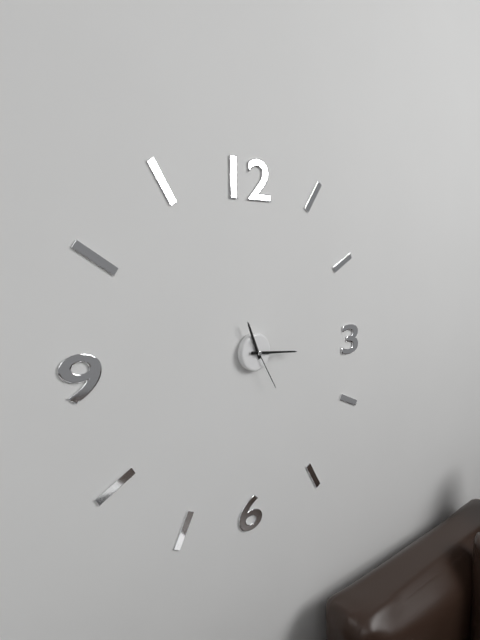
11:16
